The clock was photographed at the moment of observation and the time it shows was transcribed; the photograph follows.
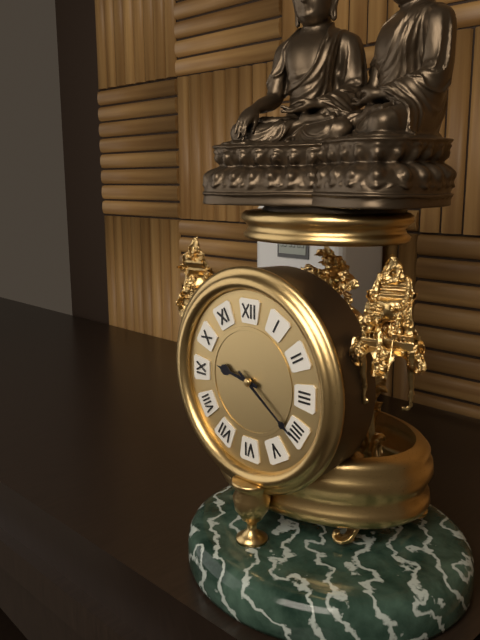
9:21
